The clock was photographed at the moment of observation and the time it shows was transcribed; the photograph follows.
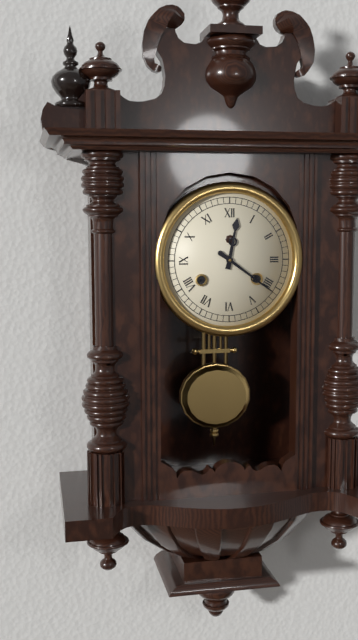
12:21
